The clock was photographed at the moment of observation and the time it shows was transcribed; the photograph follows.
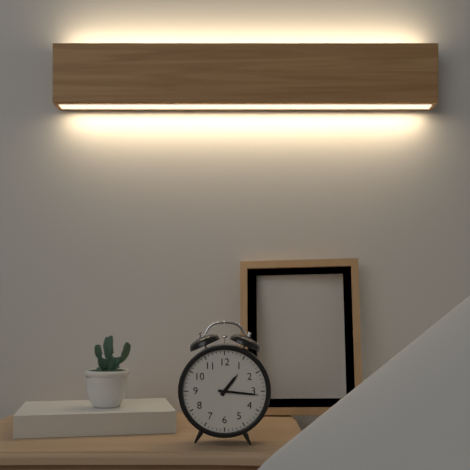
1:16
